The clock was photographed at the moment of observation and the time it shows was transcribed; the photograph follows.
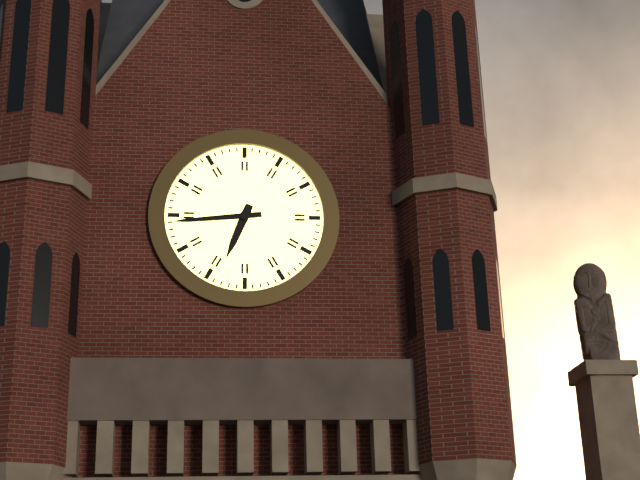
6:44
